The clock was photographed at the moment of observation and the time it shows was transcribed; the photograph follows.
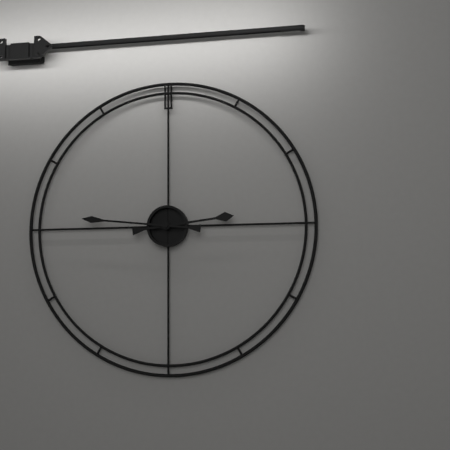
2:46
